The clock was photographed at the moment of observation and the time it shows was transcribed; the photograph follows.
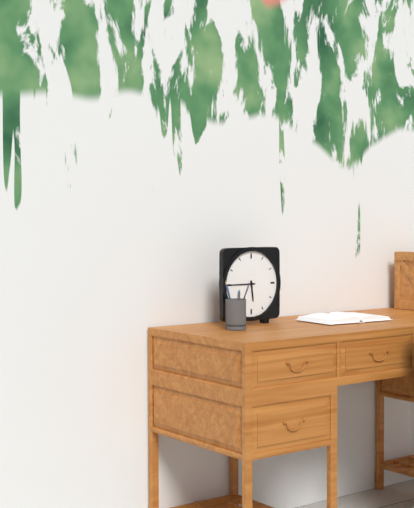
5:45
